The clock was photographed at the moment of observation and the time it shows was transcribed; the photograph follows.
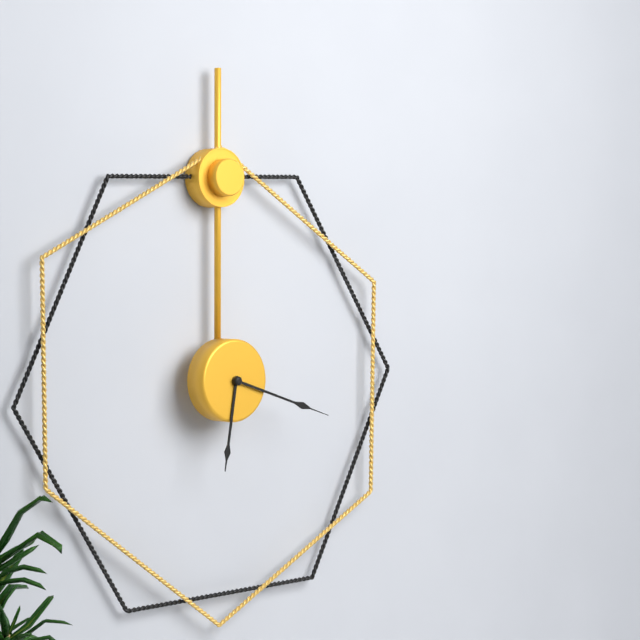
6:18
